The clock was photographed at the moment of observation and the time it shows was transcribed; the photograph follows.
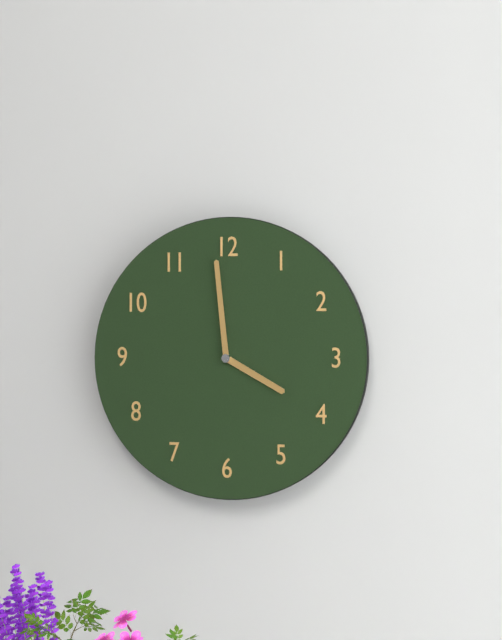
3:59
